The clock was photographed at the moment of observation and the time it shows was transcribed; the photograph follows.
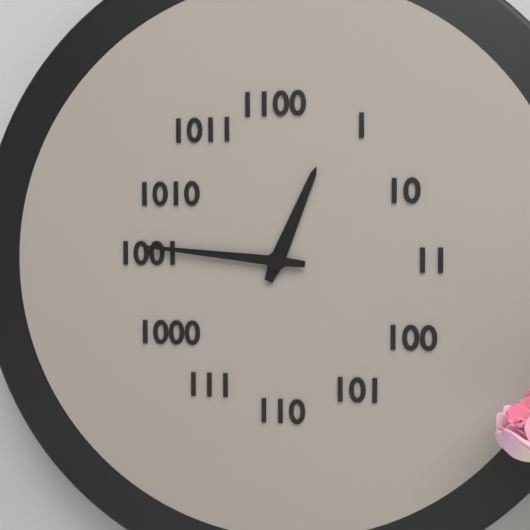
12:46
